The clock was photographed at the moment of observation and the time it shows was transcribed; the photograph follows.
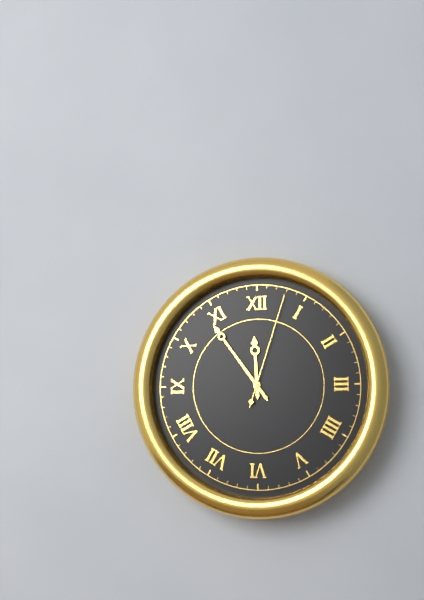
11:54:03
